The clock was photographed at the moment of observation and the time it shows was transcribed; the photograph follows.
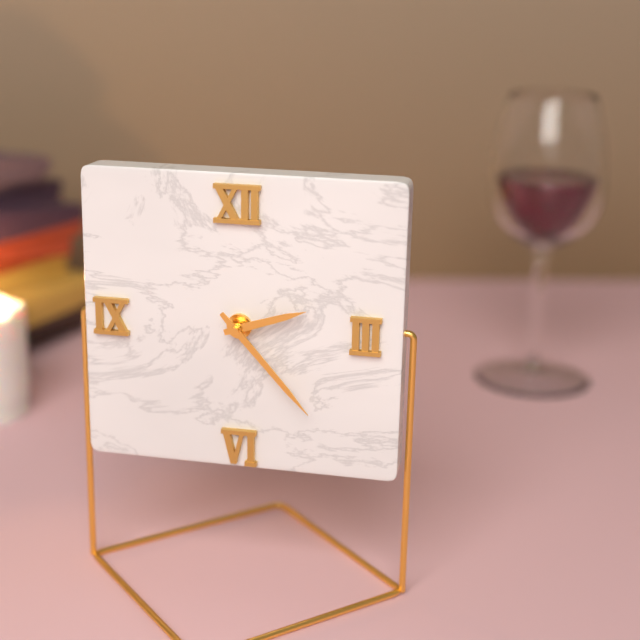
2:23
